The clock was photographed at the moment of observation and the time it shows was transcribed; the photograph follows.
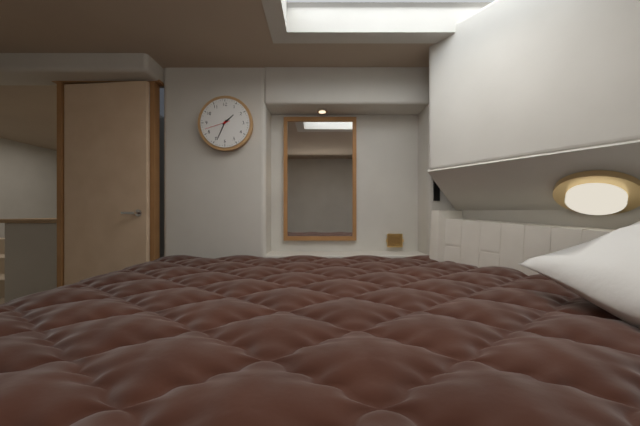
1:34
